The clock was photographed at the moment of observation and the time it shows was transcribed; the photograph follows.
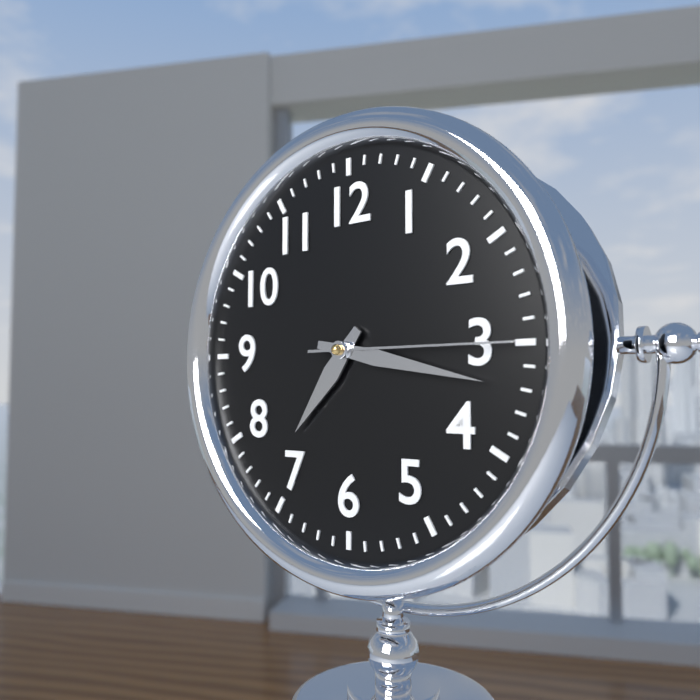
7:17:15
